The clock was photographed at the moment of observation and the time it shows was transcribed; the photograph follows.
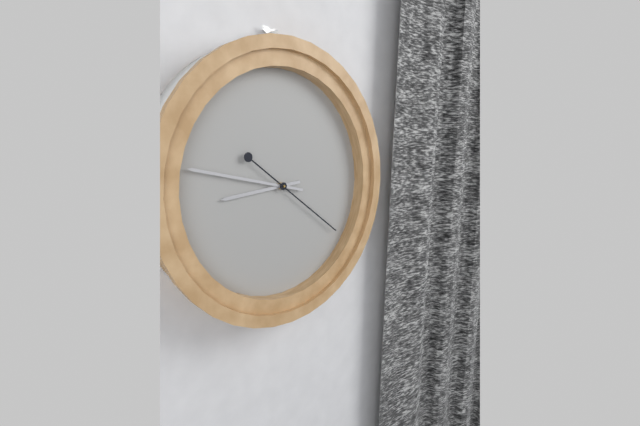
8:47:21
